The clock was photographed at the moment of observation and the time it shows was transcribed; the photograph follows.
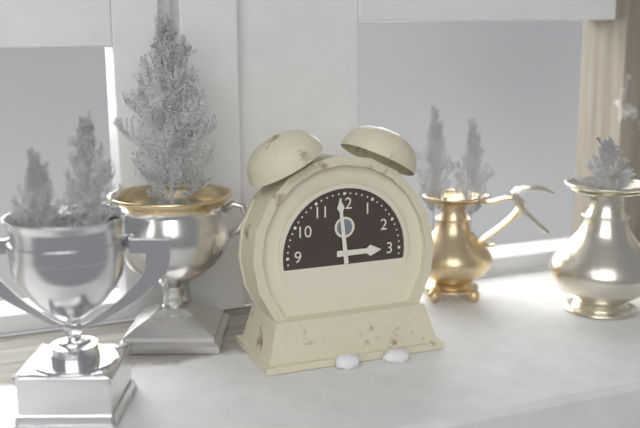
2:59
